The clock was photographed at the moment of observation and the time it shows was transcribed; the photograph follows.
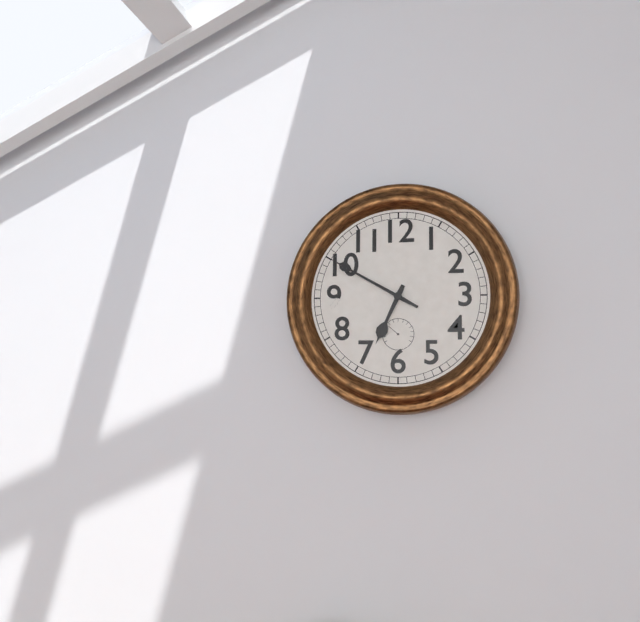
6:50:50
